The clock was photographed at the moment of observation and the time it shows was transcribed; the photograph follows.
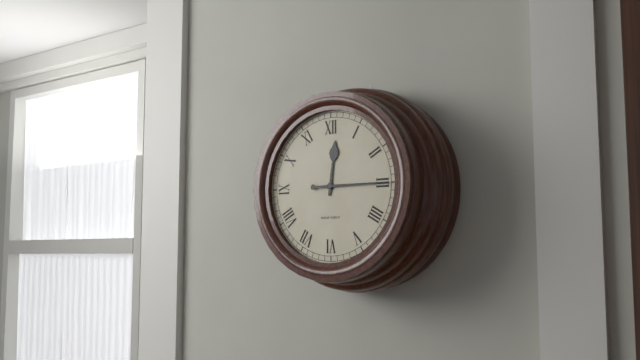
12:15
